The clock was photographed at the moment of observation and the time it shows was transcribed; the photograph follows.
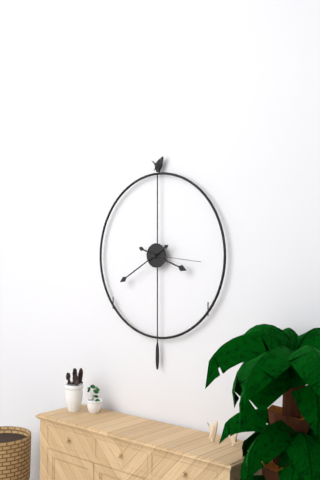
3:40:16
